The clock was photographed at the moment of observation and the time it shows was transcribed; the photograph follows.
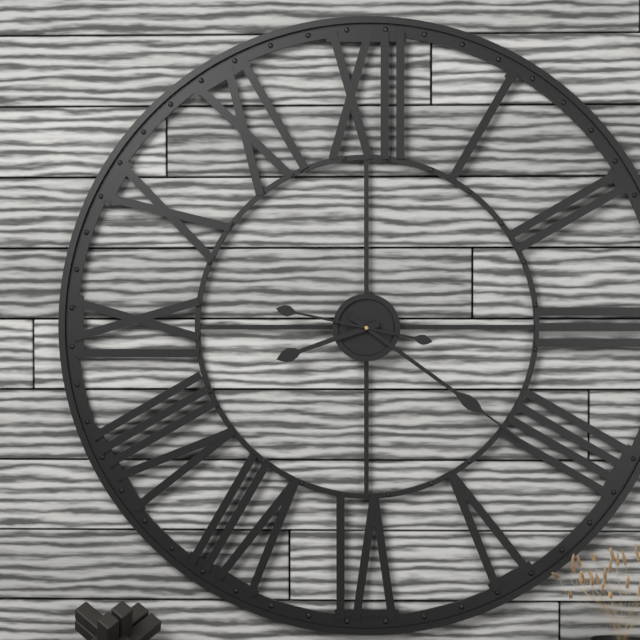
8:21:47
